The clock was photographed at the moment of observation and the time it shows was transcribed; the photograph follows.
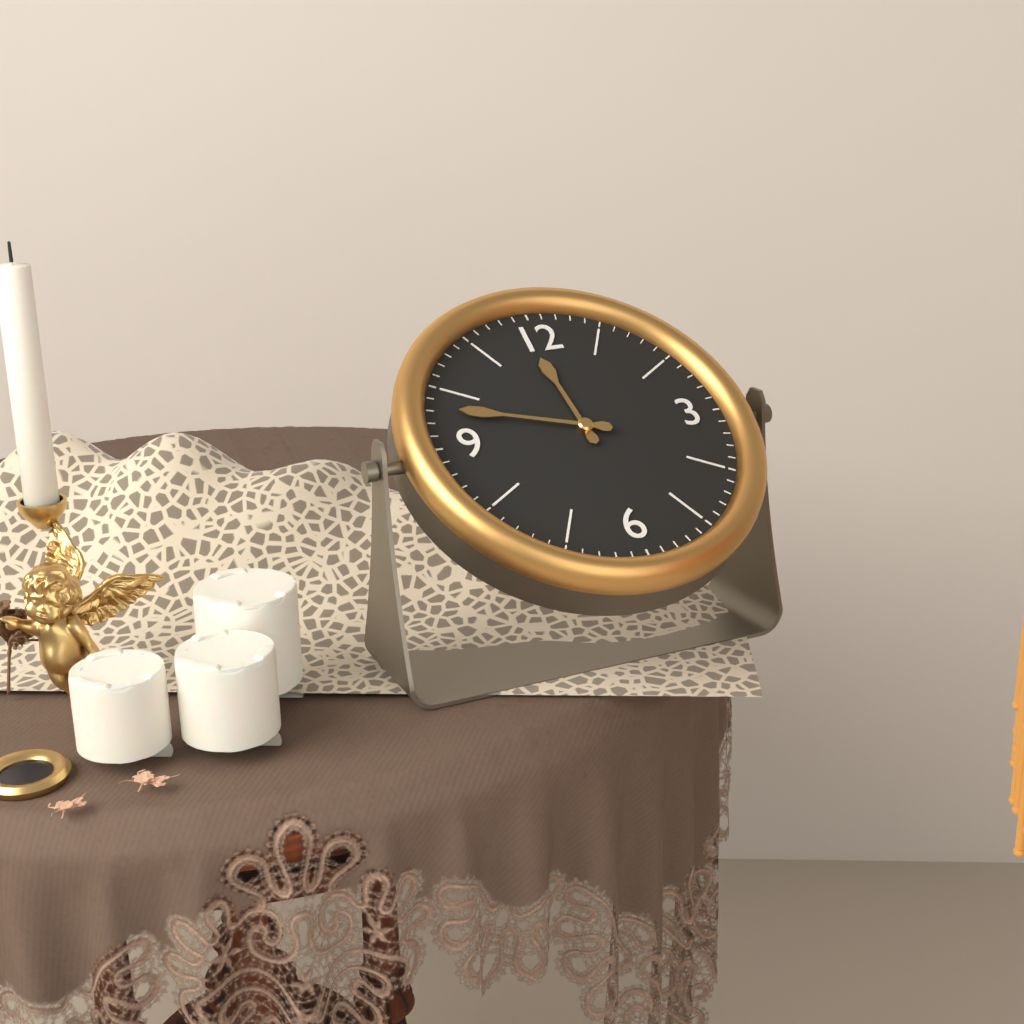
11:48
